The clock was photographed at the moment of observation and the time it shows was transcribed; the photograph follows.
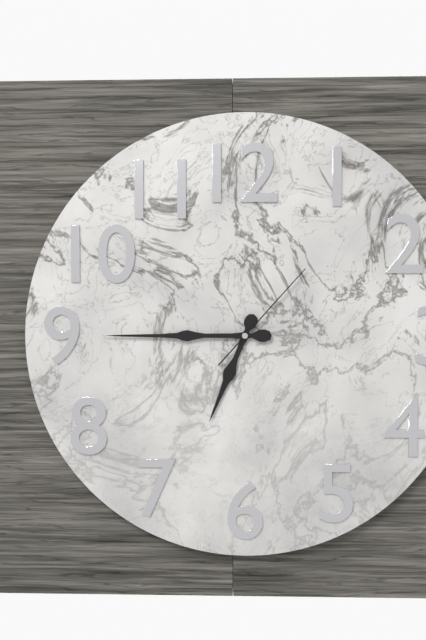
6:45:07
